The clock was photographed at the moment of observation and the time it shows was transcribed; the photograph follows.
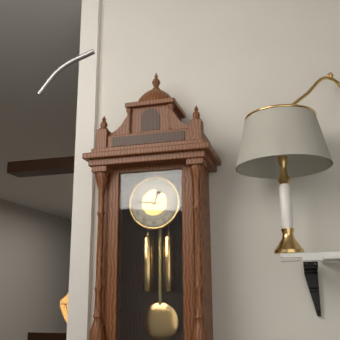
12:46
